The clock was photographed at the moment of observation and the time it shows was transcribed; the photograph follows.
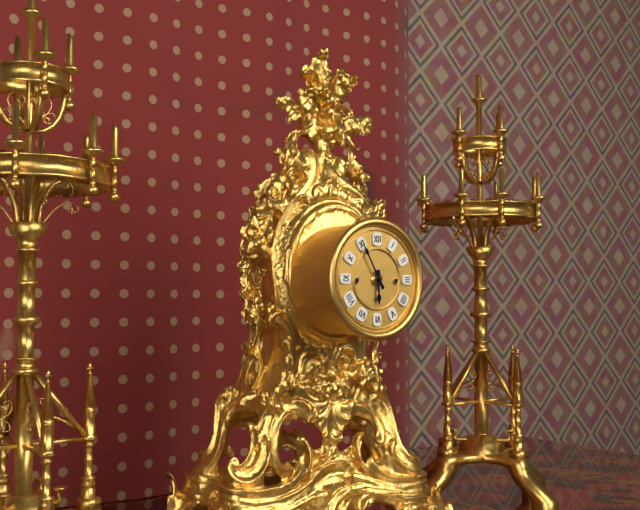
5:55
